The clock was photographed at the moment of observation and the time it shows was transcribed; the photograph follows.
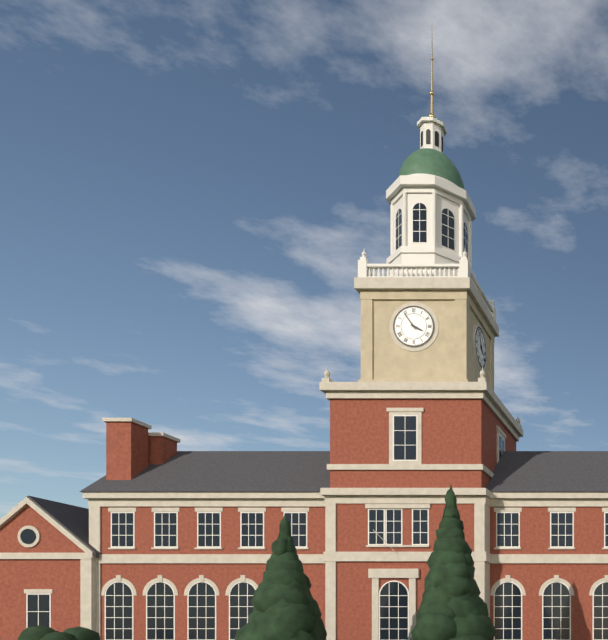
3:54
